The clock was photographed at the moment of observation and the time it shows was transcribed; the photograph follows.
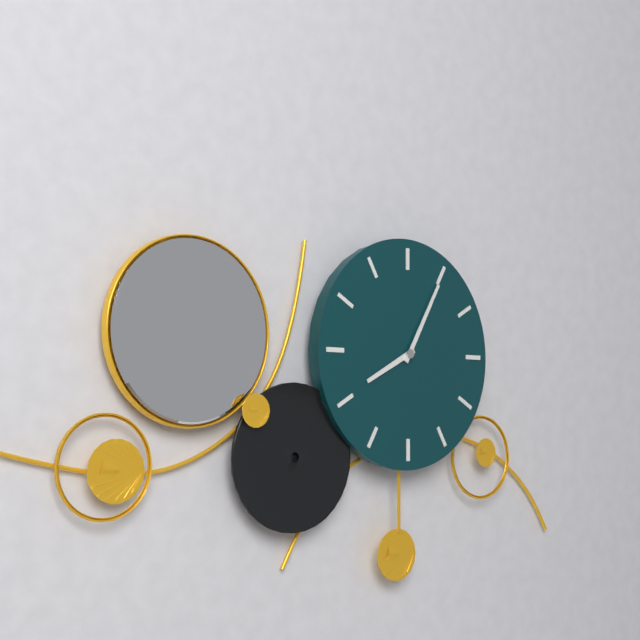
8:05
